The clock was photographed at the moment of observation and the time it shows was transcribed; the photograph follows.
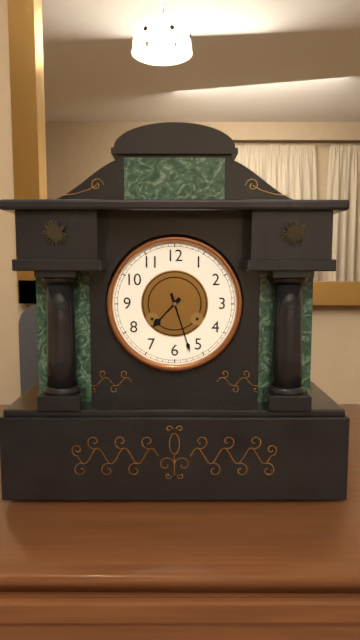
7:27
